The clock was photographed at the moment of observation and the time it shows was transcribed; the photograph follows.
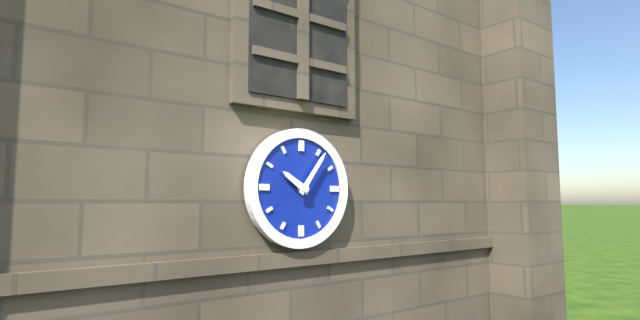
10:06
